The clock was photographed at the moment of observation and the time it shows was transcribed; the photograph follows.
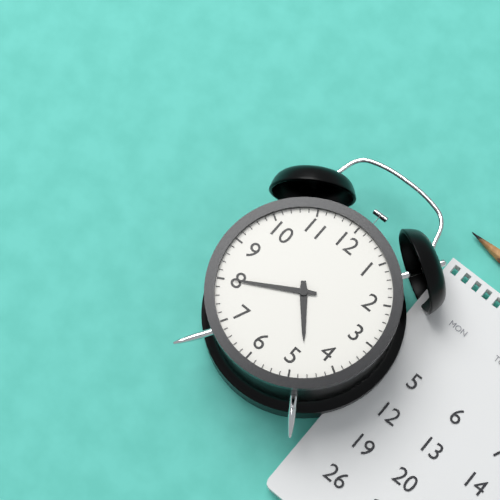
4:40
